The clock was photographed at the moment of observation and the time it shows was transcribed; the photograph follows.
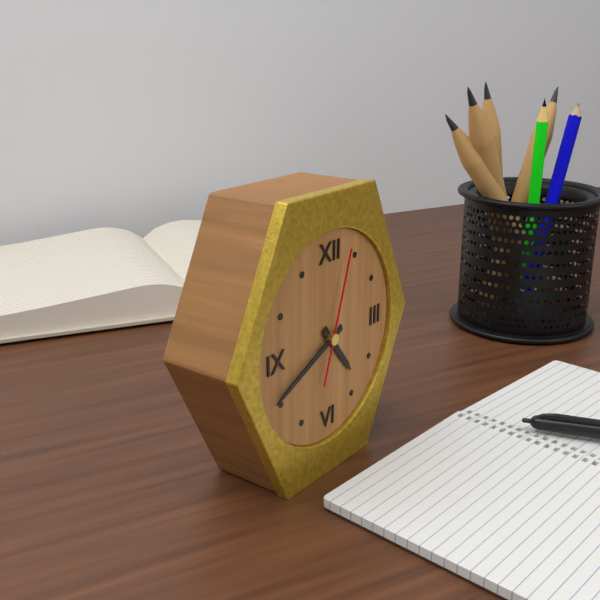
4:41:03
